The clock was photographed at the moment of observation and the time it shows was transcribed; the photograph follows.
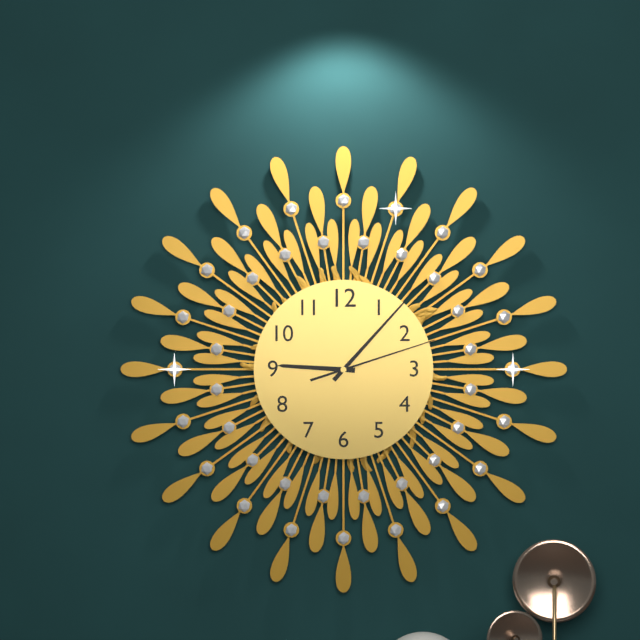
9:07:12
